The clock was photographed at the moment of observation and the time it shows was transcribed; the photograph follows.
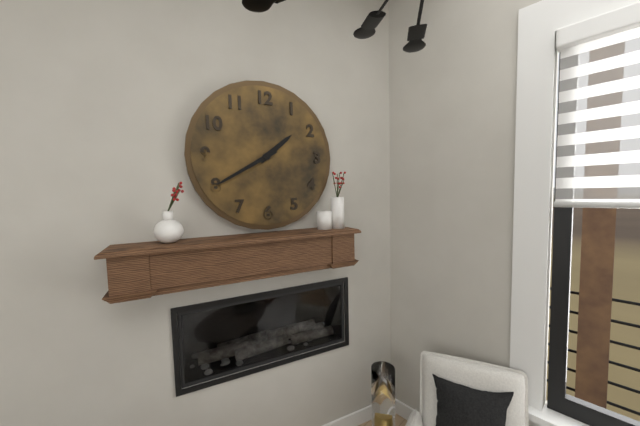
1:40
